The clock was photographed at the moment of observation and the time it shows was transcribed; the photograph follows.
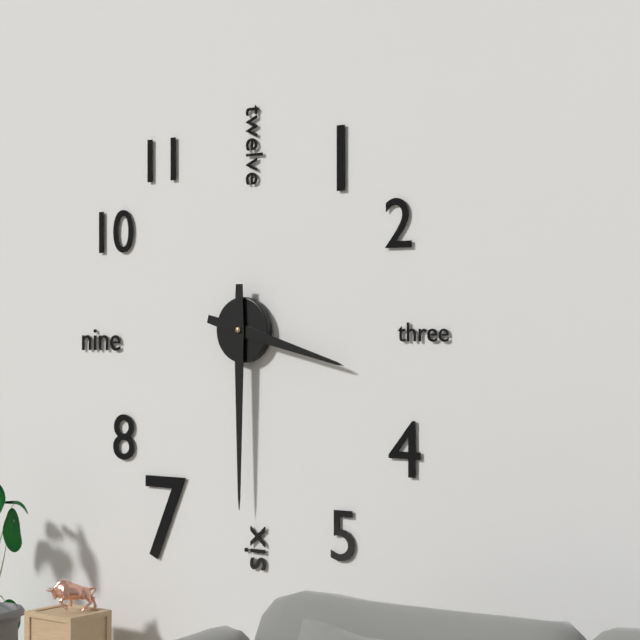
3:30
